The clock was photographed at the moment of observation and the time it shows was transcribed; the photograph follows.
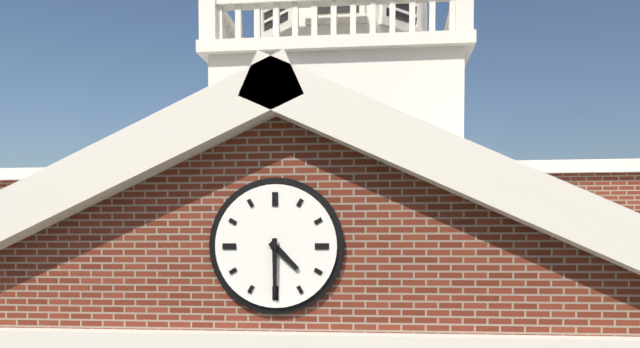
4:30
